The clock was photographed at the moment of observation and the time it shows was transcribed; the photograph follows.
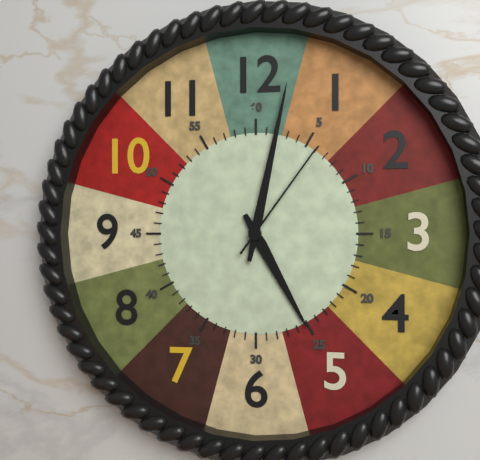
5:02:06
